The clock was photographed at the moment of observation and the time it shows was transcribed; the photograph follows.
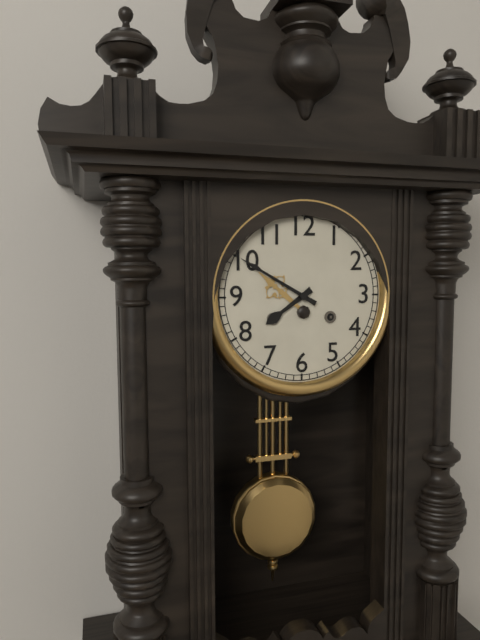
7:50
